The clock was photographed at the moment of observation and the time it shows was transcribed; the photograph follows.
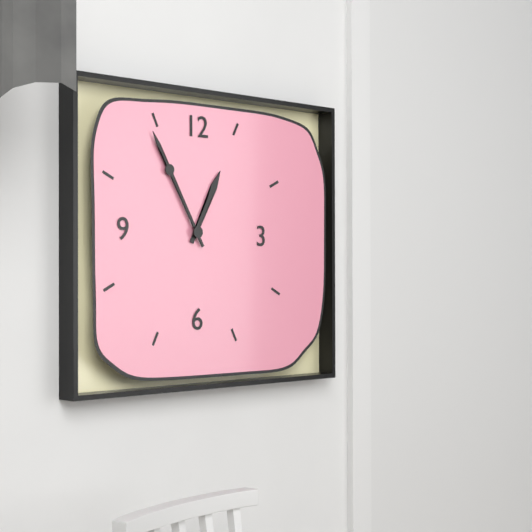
12:55
